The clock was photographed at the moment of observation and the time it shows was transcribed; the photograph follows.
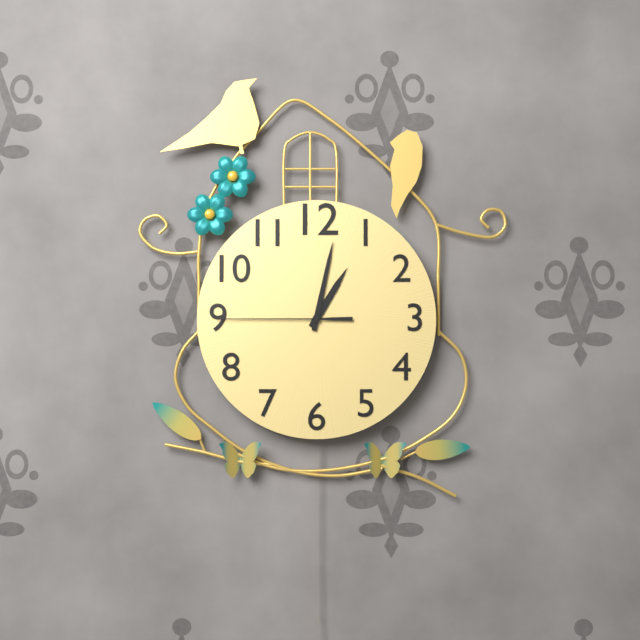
1:02:45
